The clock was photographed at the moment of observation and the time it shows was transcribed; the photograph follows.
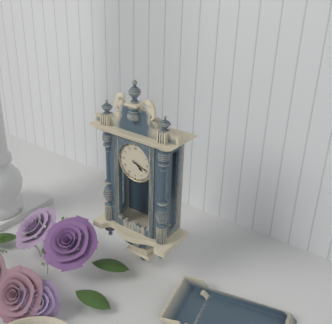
4:18
